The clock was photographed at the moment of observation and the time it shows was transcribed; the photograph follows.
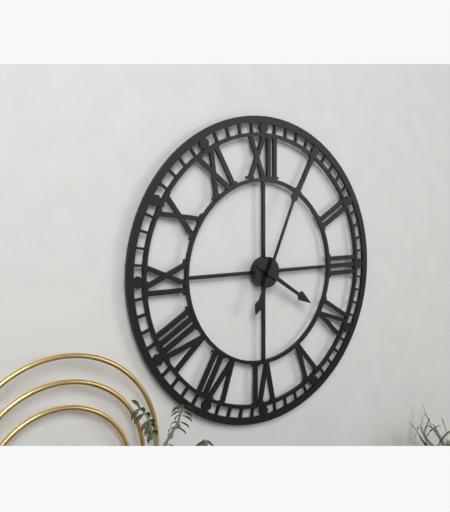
4:04
